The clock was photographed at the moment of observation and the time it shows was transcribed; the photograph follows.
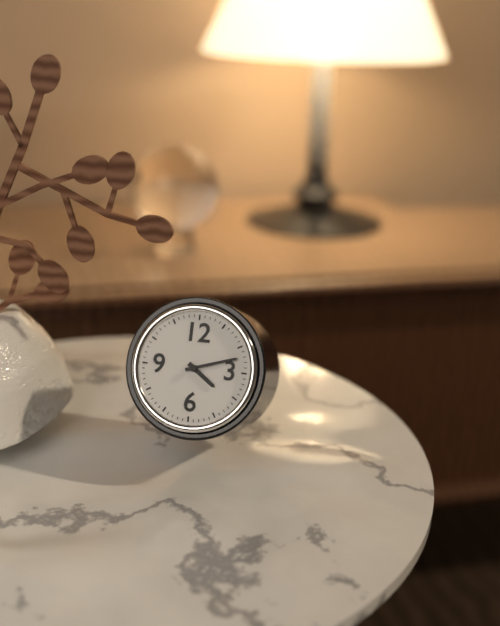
4:12
